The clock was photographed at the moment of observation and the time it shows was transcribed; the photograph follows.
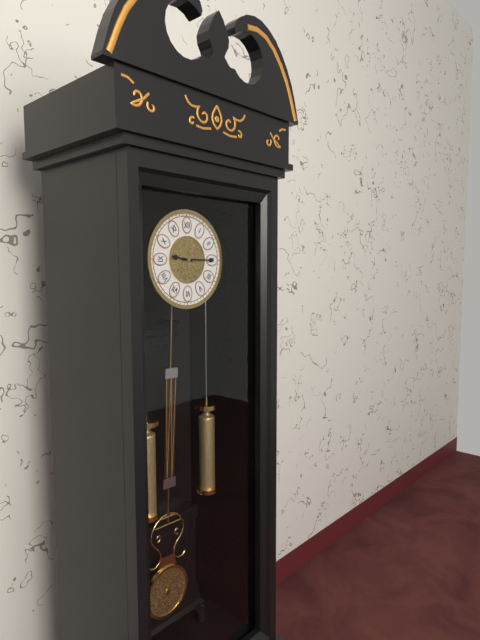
9:15
